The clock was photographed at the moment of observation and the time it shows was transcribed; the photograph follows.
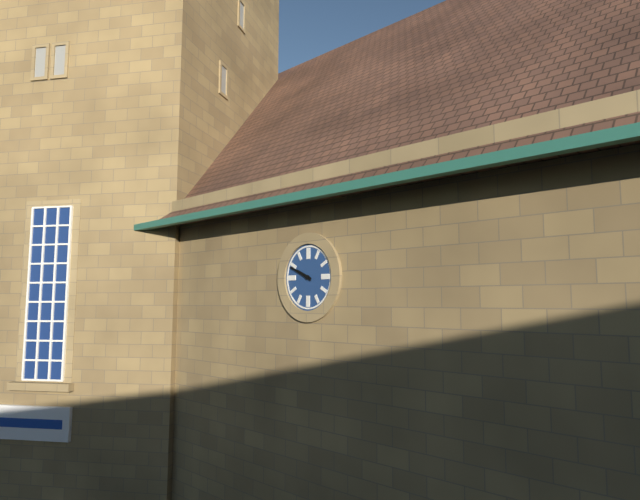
9:49
